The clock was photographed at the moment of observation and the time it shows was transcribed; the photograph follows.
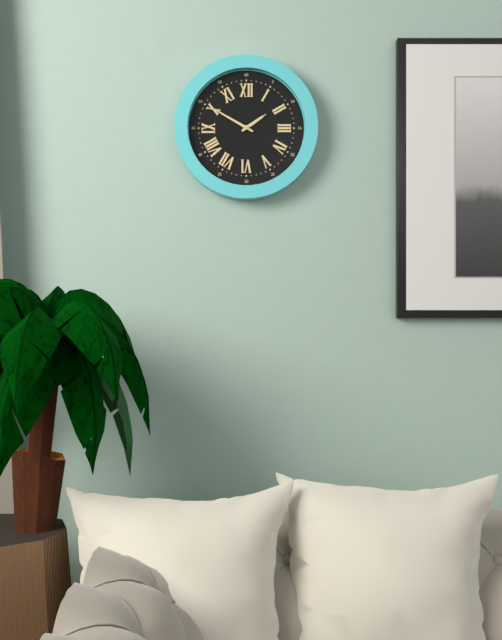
1:50
